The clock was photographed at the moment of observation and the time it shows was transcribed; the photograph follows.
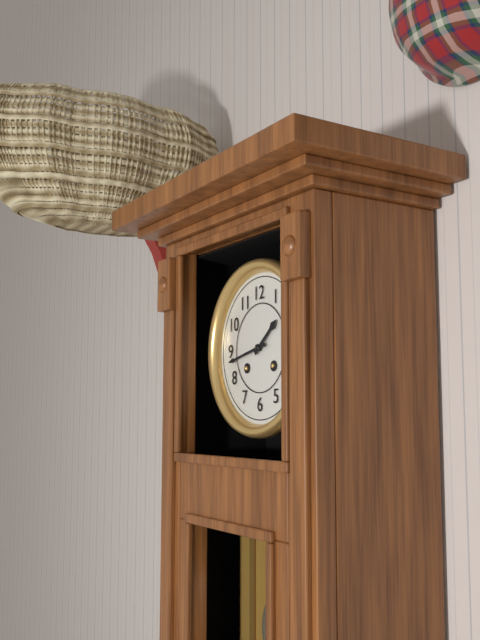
1:43
